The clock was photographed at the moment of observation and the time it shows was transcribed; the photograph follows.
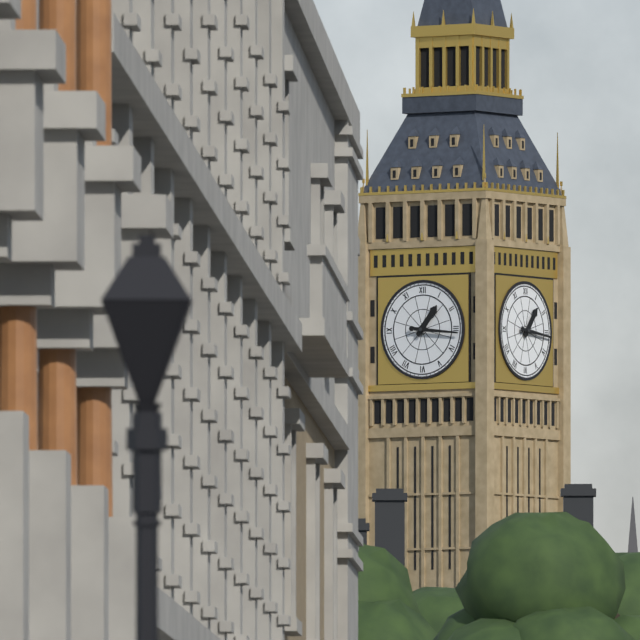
1:16
